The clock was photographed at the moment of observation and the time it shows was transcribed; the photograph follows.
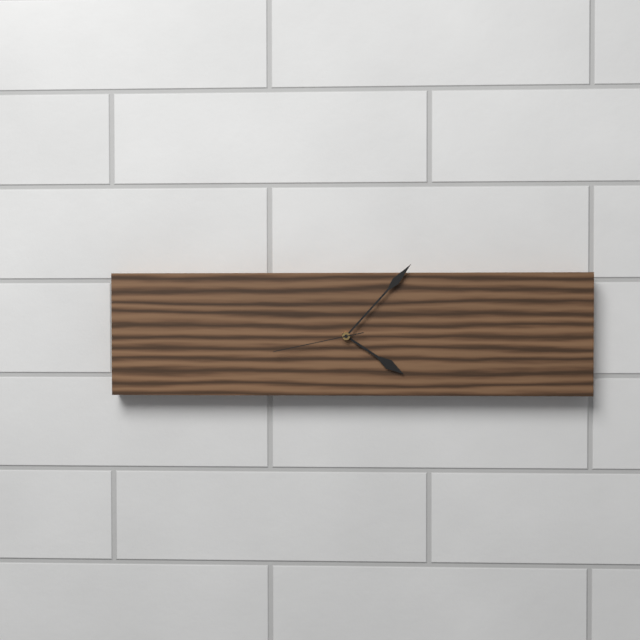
4:07:43
